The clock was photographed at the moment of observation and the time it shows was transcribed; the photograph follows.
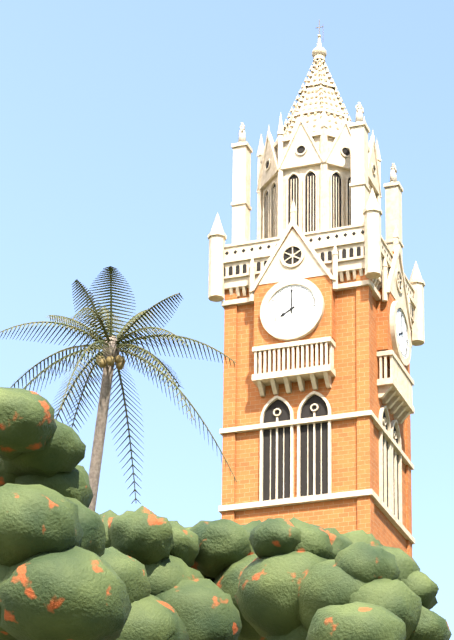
8:00
